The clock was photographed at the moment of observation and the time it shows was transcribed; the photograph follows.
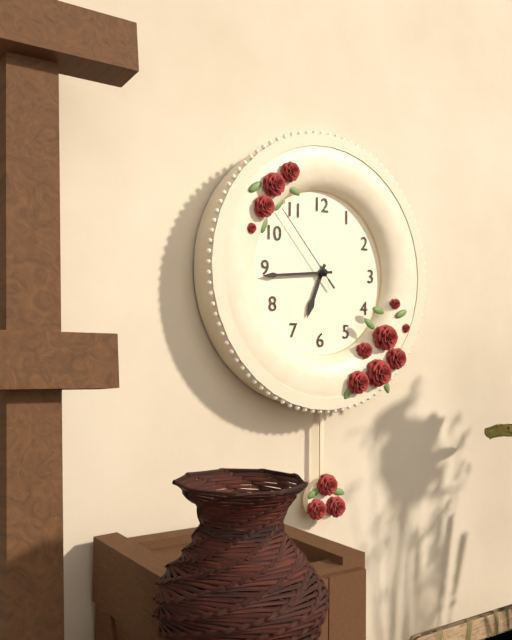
6:44:53
